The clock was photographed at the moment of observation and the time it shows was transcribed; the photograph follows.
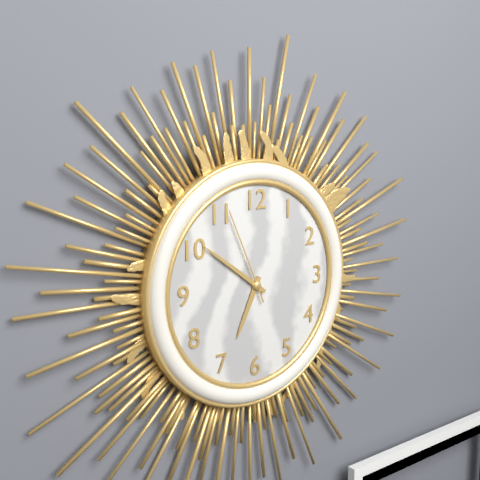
6:51:56
